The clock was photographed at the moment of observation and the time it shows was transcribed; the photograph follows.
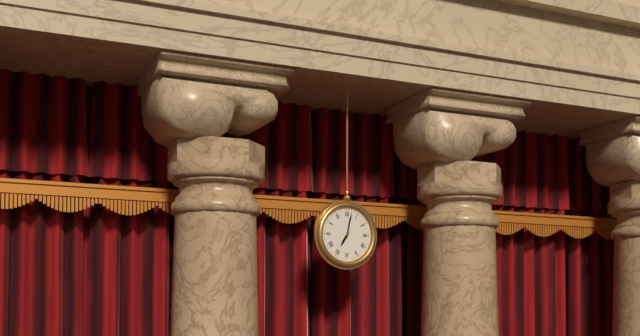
7:02
